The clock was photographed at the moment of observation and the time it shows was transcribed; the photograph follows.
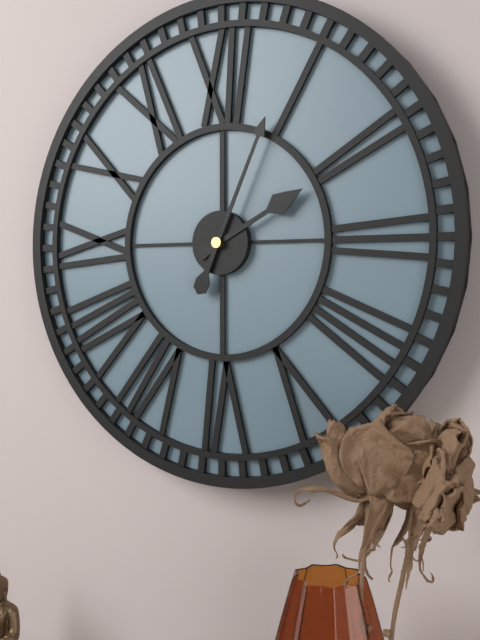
2:04
